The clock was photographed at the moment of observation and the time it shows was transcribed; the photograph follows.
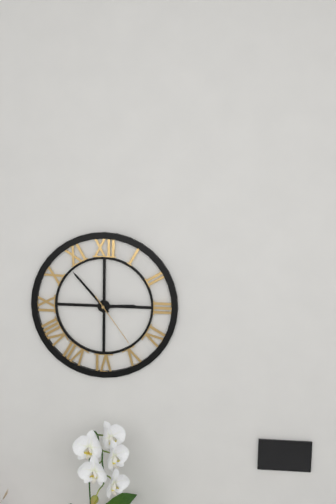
2:53:24
